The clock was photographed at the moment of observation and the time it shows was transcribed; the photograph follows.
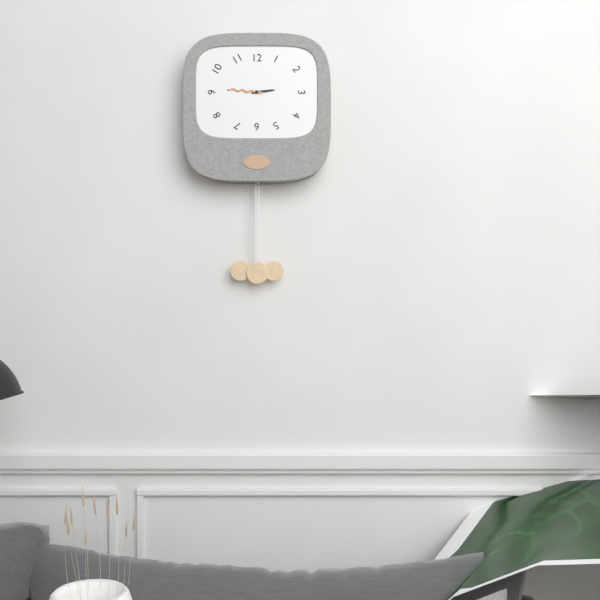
2:46
